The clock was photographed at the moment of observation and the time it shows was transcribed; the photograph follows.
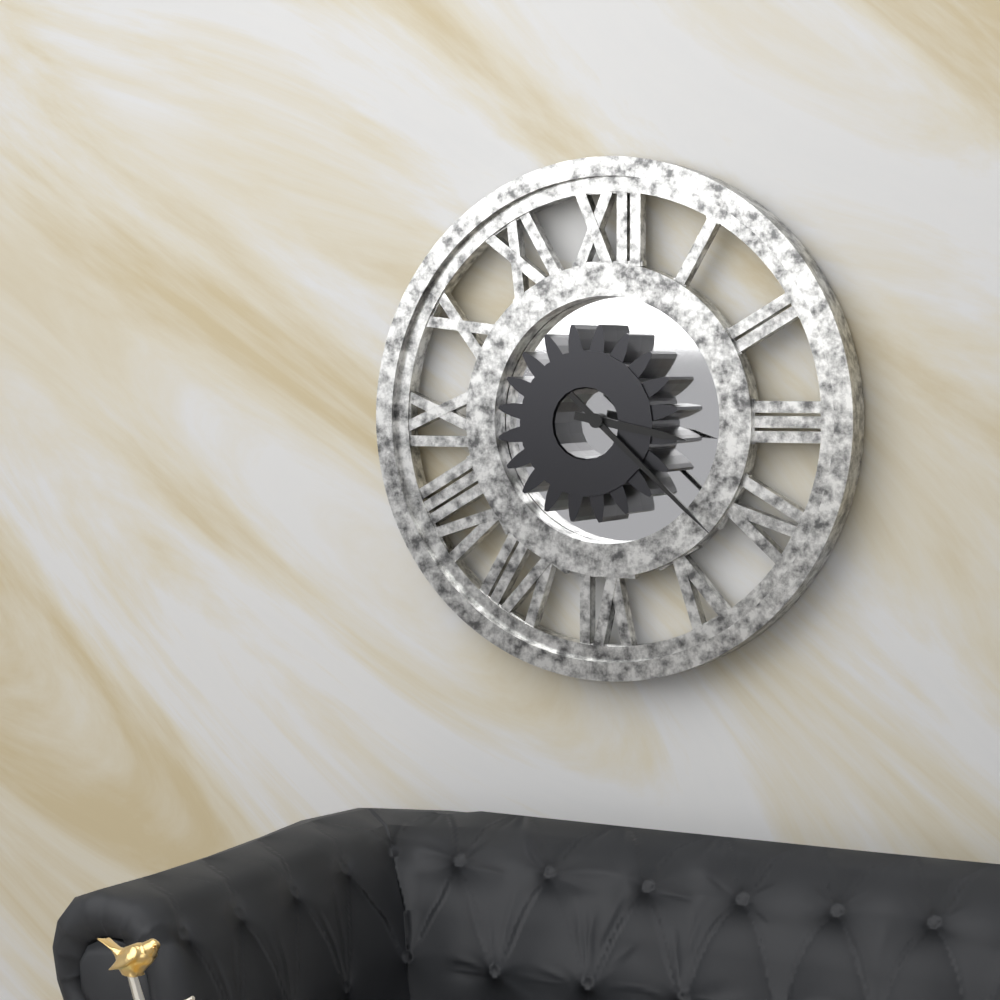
3:22
